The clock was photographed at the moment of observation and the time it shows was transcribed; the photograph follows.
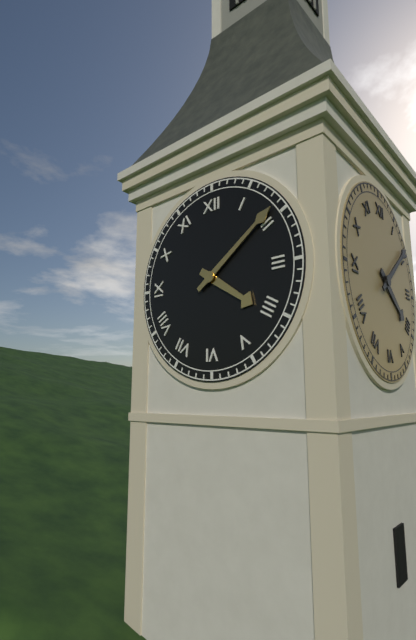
4:09
